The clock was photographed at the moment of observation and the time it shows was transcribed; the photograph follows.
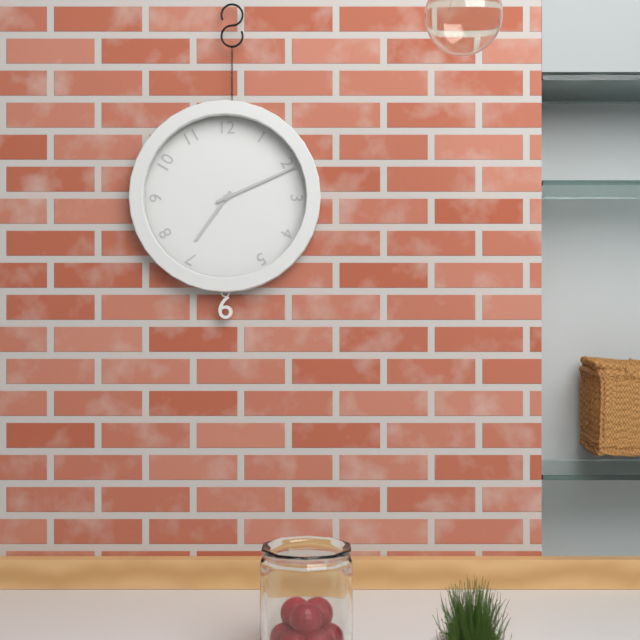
7:11
